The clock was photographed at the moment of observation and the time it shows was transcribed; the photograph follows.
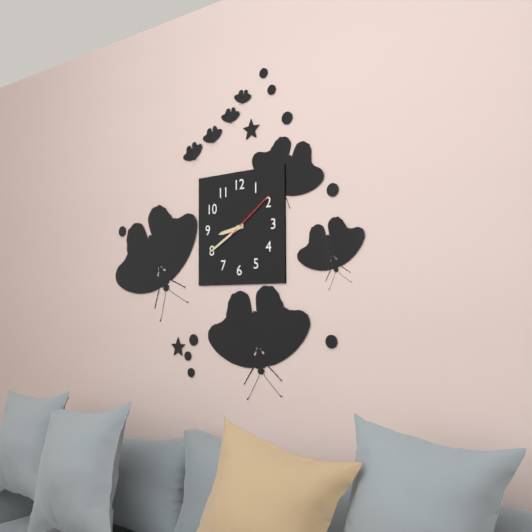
8:40:09
